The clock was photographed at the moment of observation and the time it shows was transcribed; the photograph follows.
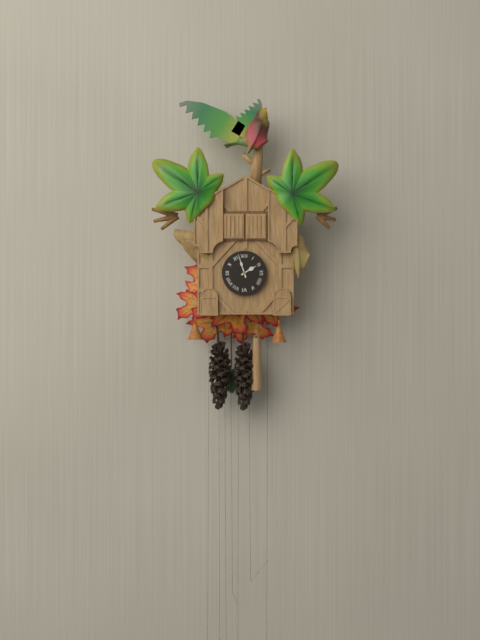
1:57
